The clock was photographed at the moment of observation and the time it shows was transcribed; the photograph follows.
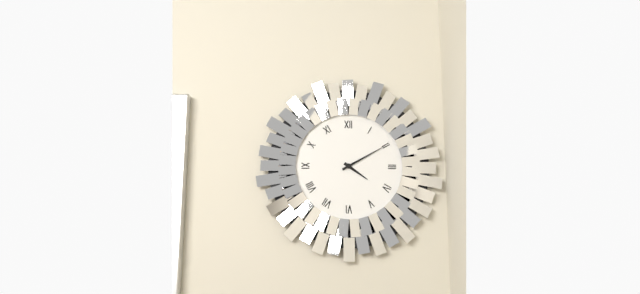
4:10
